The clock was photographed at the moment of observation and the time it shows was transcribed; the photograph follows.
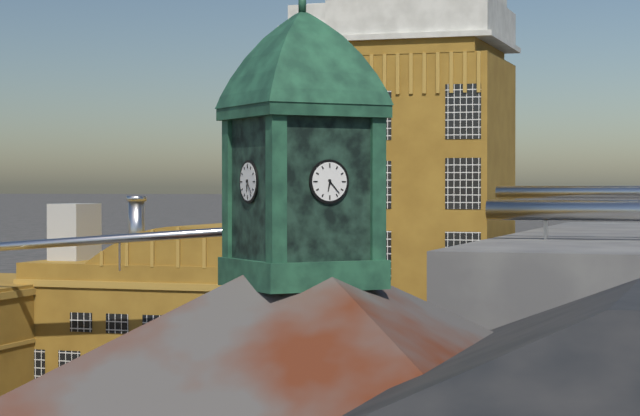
6:23
